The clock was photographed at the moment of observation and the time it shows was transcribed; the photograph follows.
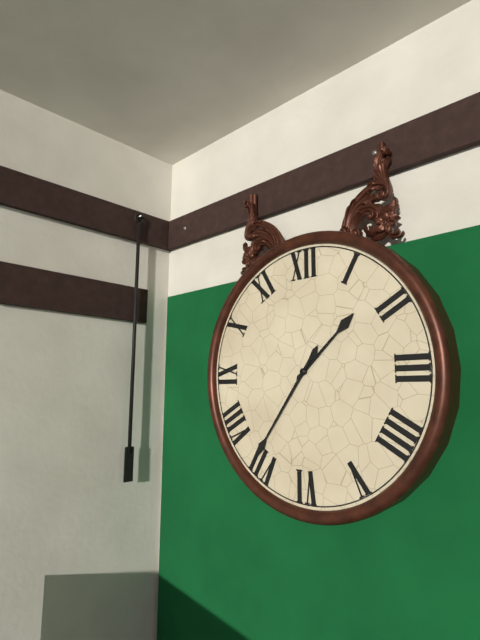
1:36
